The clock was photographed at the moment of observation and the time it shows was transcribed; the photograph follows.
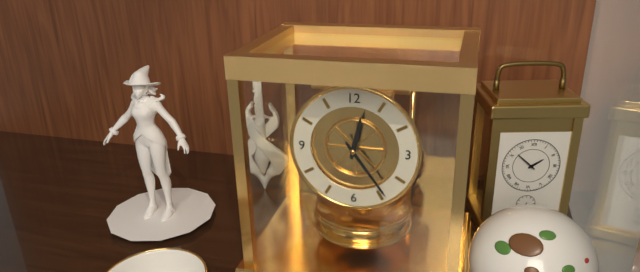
12:24
